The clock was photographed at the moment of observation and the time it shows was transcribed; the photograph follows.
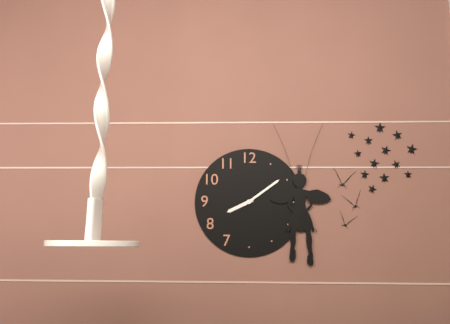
8:09
